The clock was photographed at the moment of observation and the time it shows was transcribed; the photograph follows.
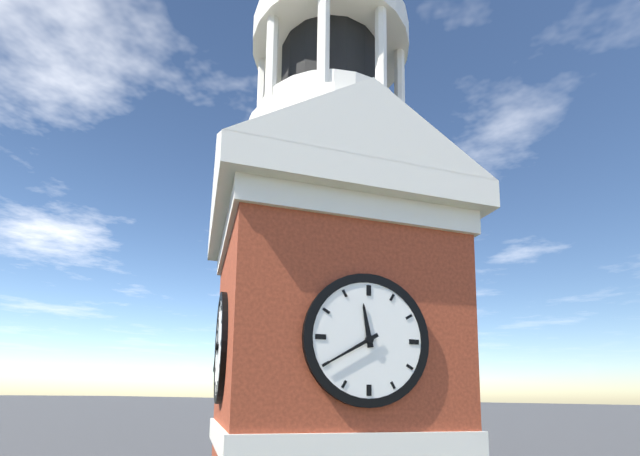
11:40
